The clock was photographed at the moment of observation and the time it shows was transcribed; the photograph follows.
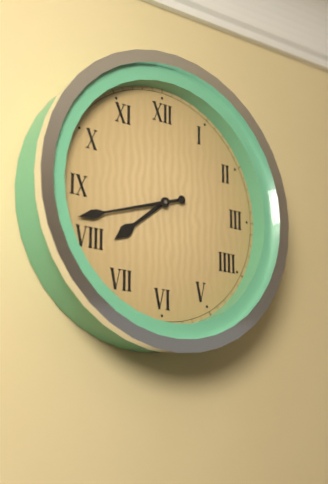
7:42
